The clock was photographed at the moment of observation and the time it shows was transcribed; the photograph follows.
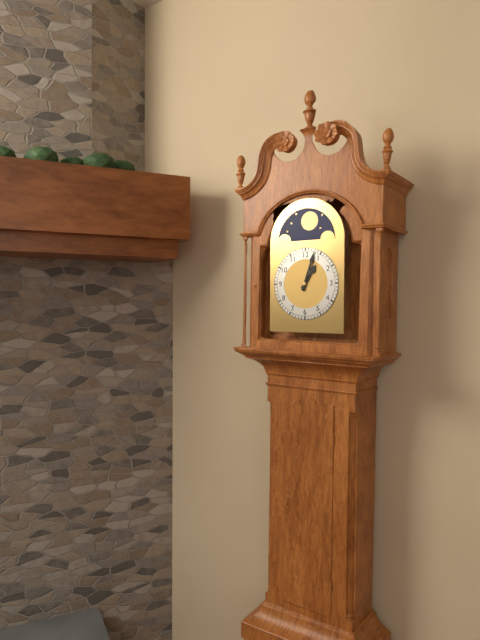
1:03
